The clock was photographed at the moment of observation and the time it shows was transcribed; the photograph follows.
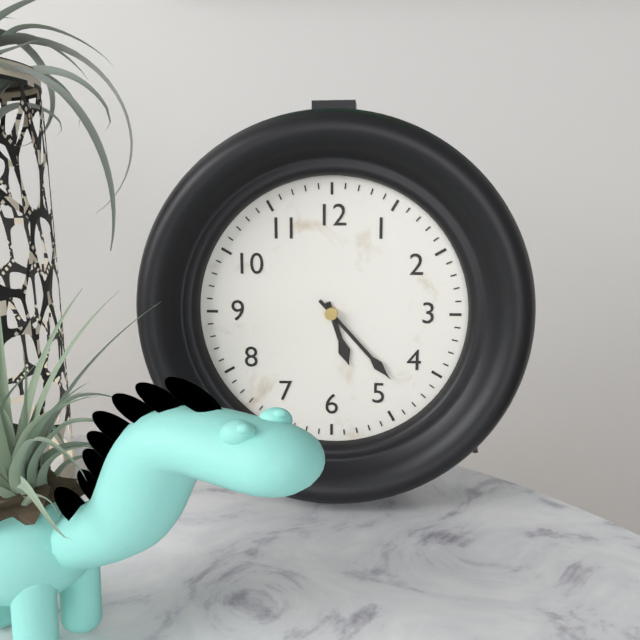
5:23
